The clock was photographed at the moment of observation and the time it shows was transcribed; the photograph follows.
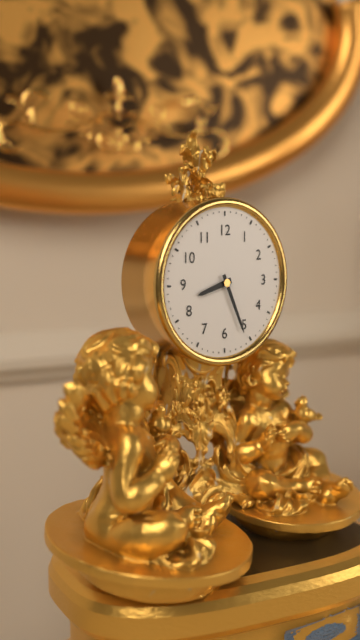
8:26
